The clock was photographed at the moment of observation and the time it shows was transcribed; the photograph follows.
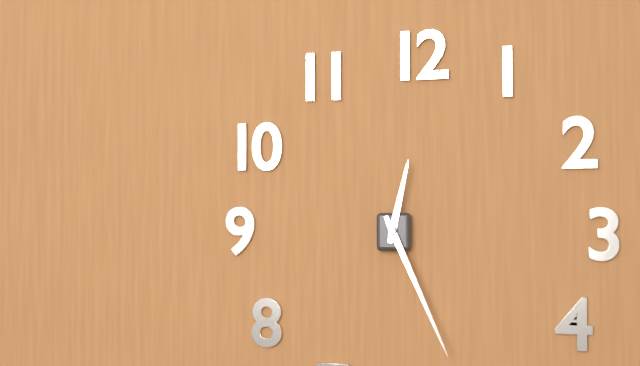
12:26
